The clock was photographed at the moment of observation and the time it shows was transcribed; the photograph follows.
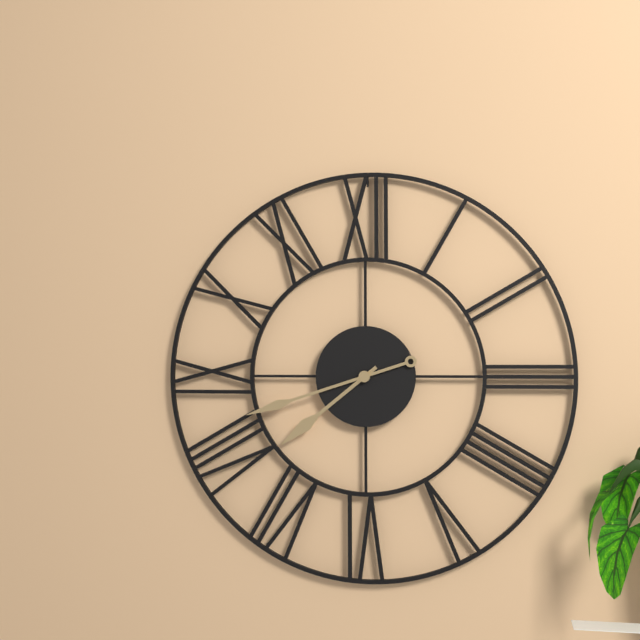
7:42
